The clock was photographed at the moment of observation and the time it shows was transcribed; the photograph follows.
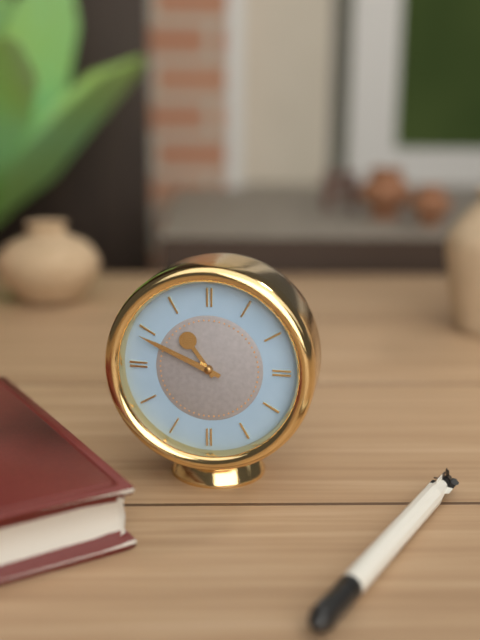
10:49
